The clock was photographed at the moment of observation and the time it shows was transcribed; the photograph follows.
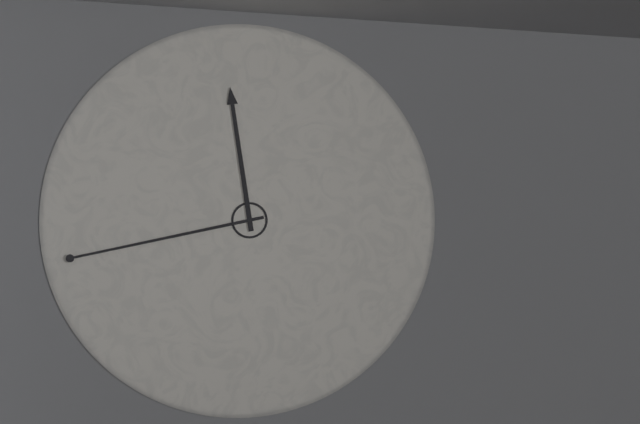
11:43
